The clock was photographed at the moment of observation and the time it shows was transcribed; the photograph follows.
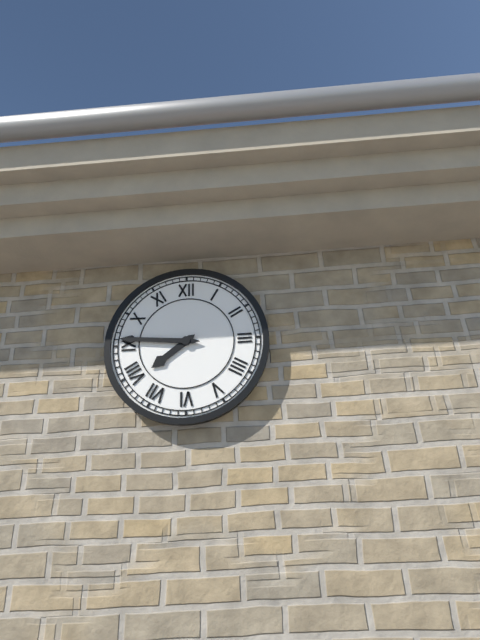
7:46
